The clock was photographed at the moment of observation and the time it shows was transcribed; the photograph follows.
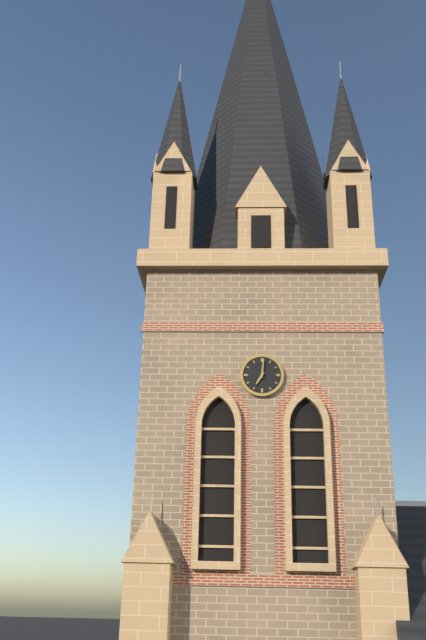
7:01
